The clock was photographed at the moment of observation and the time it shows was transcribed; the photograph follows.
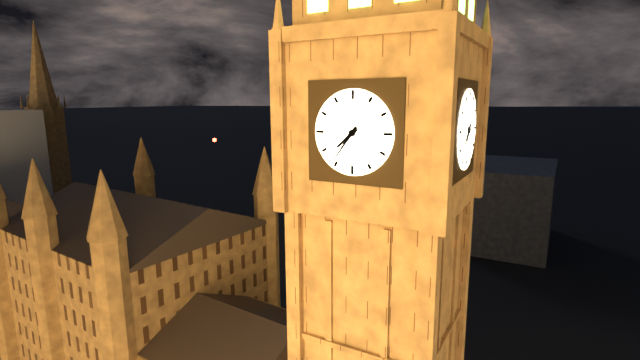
7:36
